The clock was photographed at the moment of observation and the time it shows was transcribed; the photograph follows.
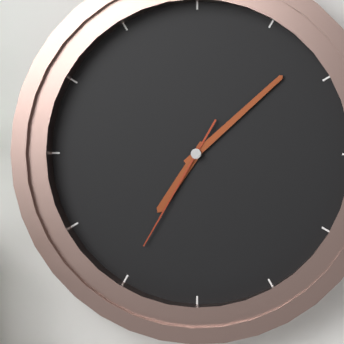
7:08:35
